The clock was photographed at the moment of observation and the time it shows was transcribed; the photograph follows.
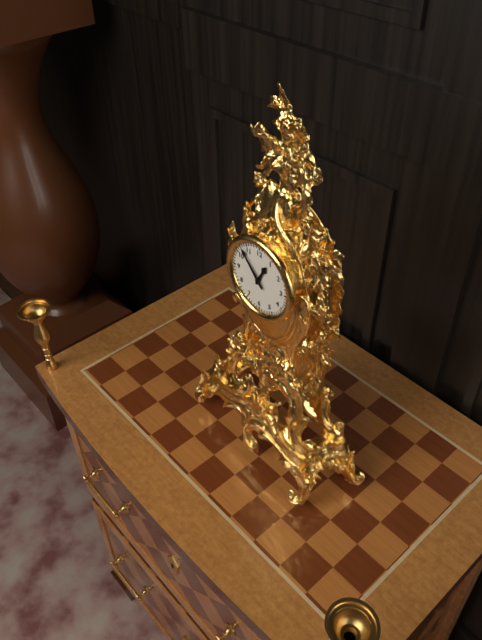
12:53
